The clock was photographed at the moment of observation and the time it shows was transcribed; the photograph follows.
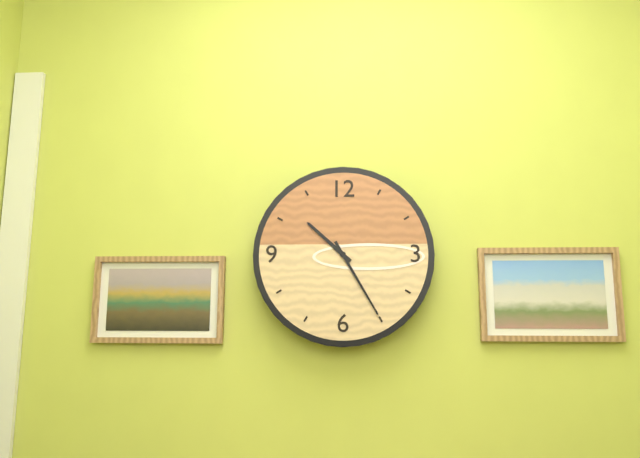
10:25
